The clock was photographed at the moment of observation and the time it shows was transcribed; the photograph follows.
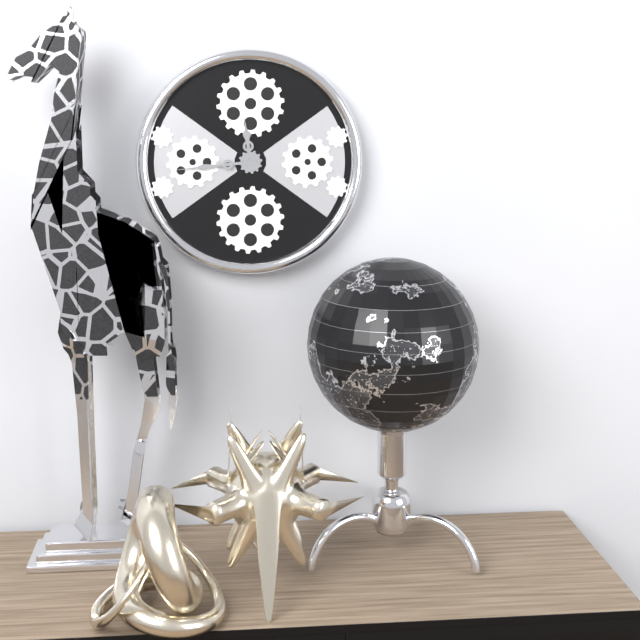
11:44
